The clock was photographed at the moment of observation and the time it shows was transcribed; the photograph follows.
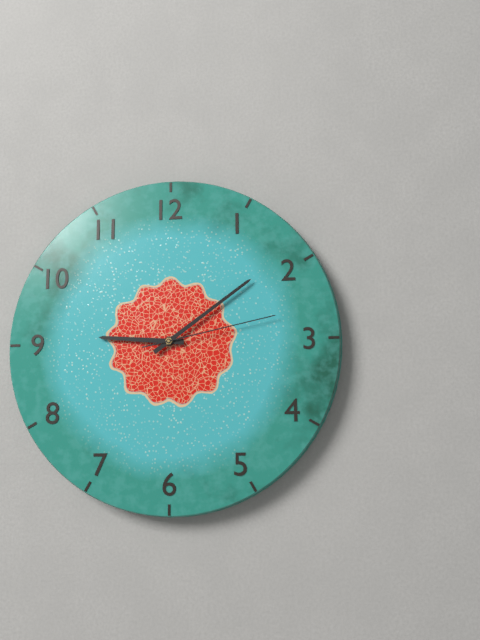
9:09:13
